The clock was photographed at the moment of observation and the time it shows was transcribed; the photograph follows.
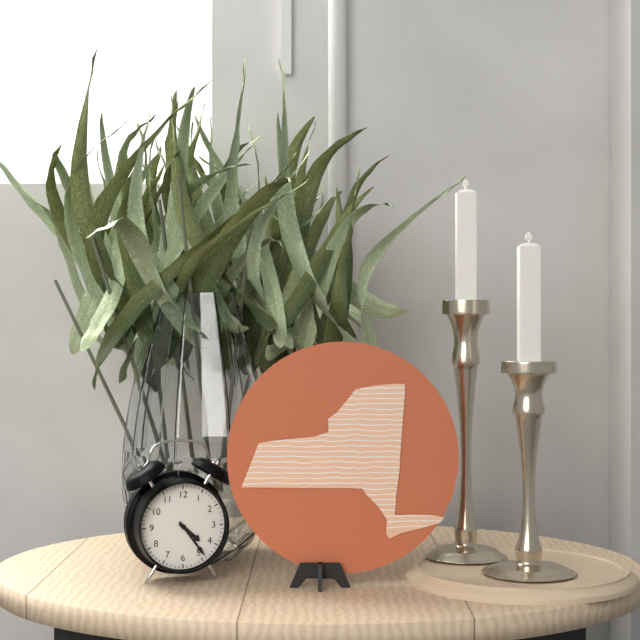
4:24
